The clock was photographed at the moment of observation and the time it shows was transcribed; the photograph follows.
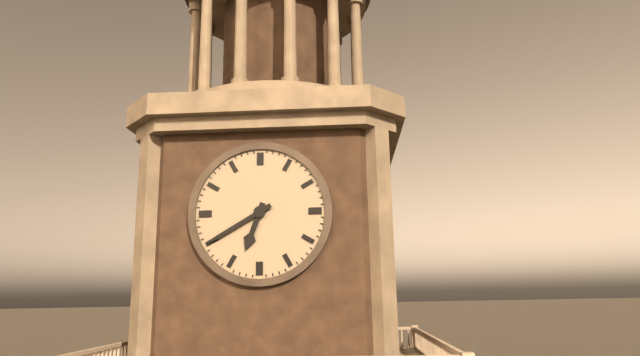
6:40
